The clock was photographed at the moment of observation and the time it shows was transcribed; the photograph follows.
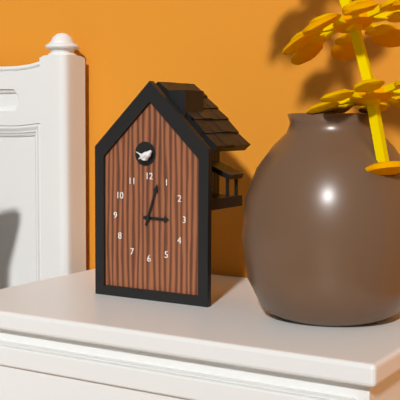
3:03
